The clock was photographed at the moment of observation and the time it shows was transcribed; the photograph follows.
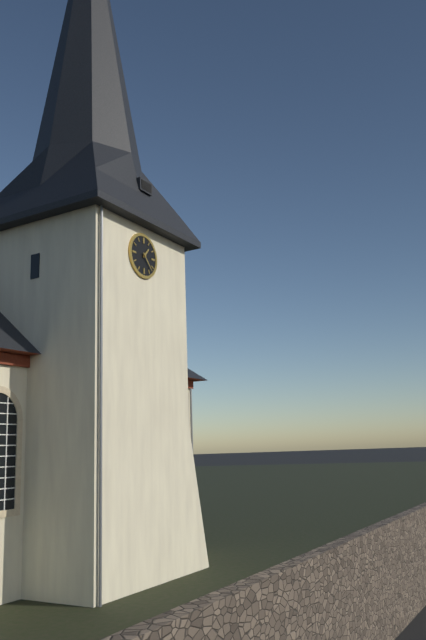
1:23
